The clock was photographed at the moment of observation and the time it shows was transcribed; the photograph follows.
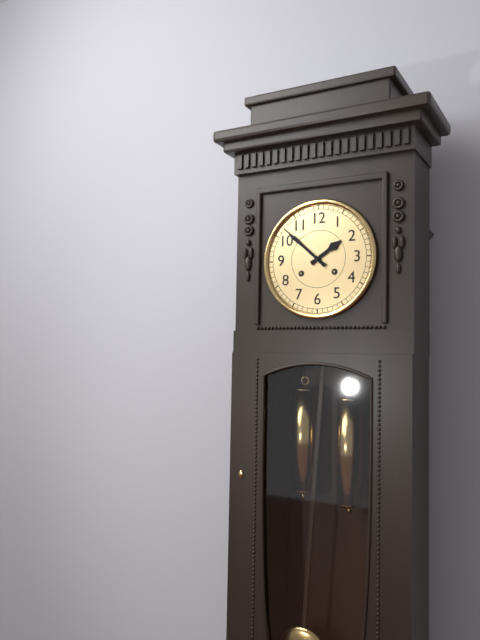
1:52
